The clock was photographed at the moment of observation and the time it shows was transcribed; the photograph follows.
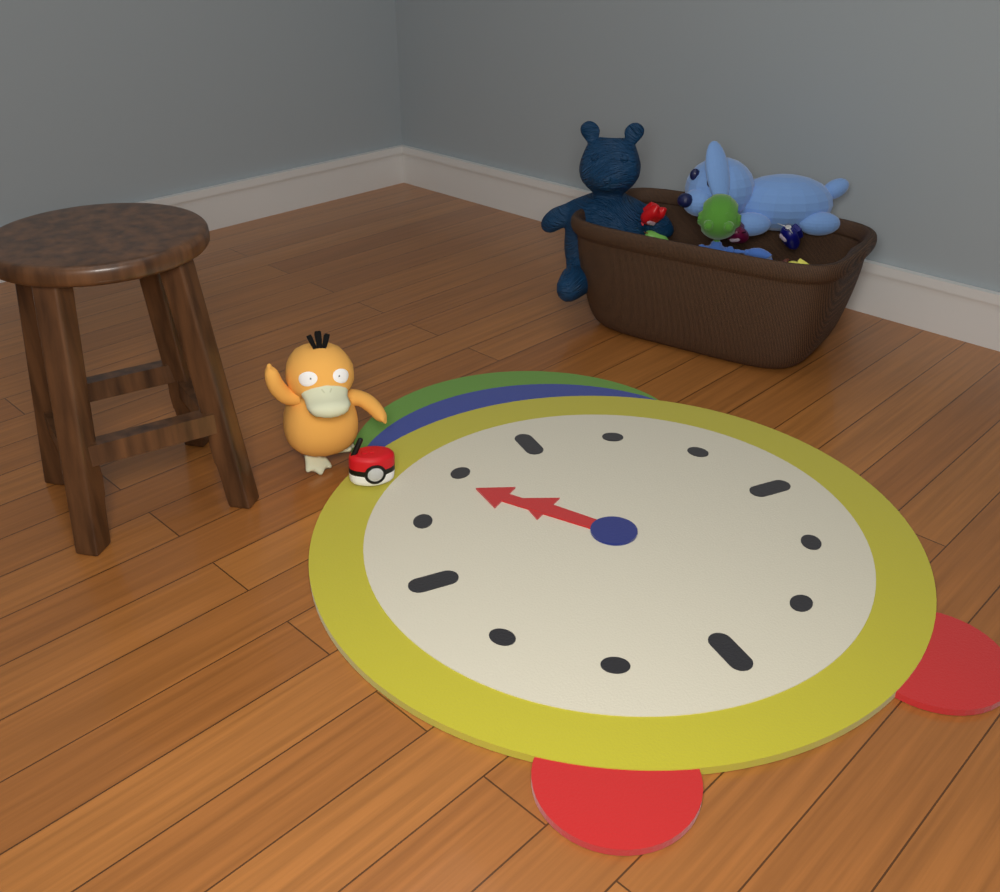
10:54
